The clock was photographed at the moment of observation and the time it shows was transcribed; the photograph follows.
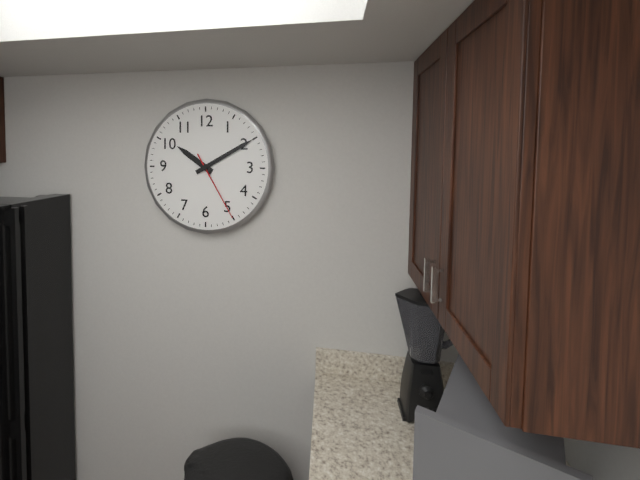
10:10:25
